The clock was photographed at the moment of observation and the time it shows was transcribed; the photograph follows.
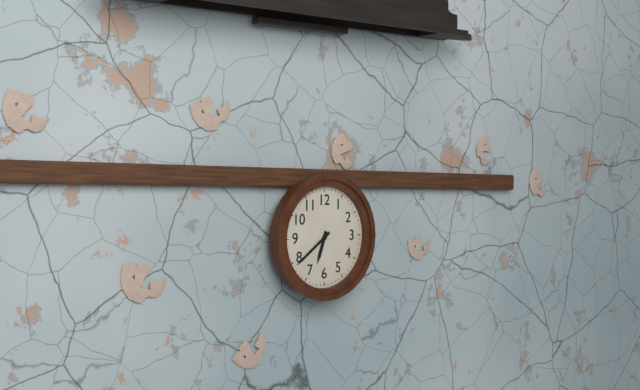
6:39
